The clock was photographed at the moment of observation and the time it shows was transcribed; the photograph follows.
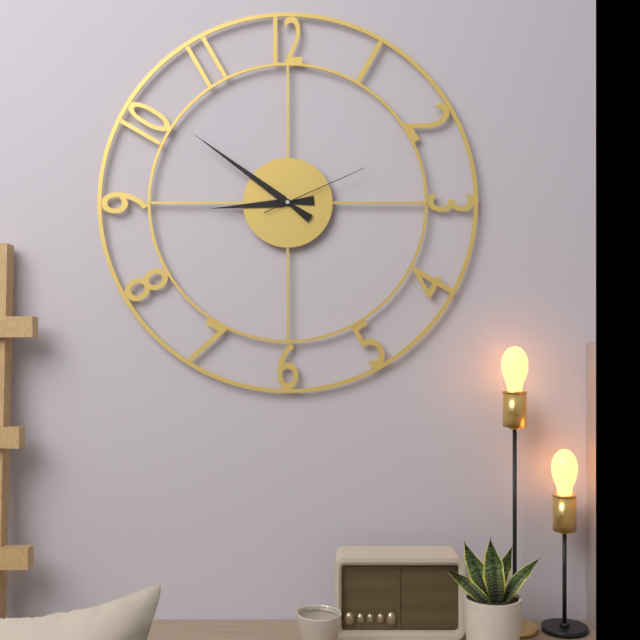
8:51:11
